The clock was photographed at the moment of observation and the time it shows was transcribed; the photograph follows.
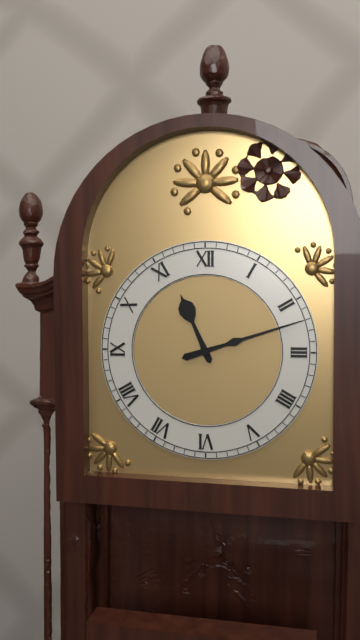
11:12
